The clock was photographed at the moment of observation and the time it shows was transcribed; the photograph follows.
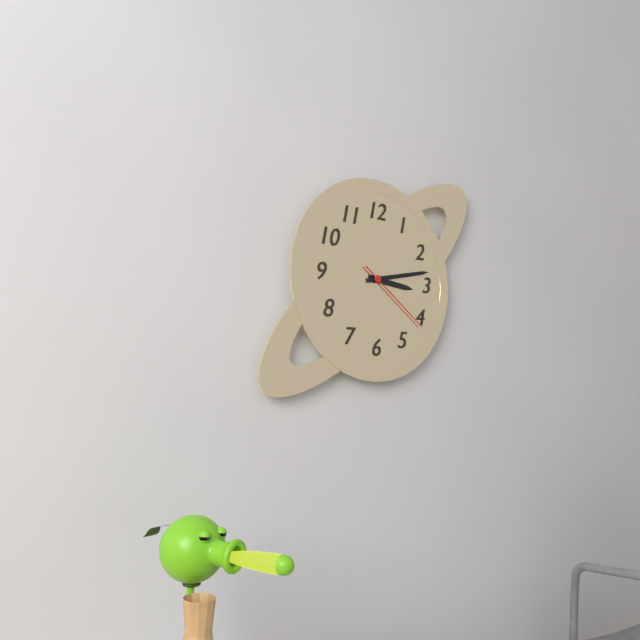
3:13:21
